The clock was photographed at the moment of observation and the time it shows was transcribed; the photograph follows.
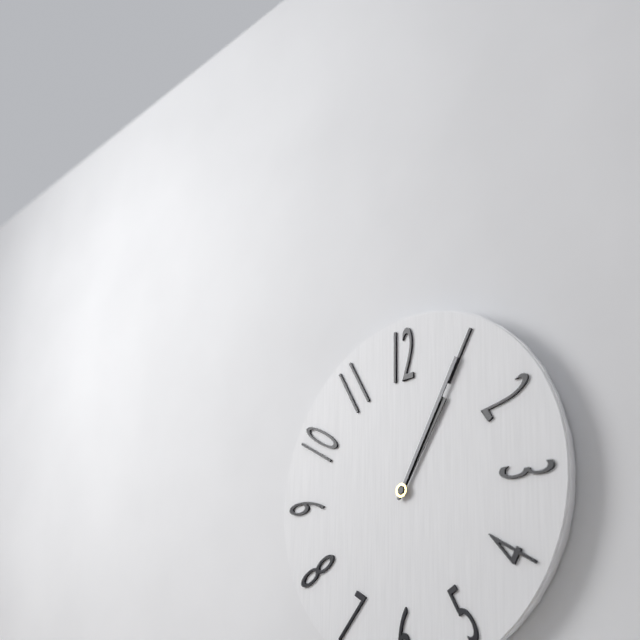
1:05
